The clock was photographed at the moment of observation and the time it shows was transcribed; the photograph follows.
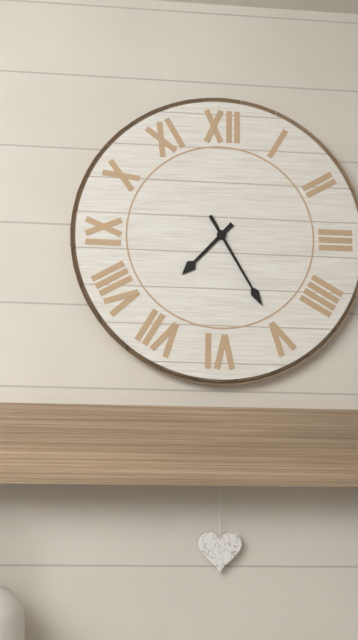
7:25
